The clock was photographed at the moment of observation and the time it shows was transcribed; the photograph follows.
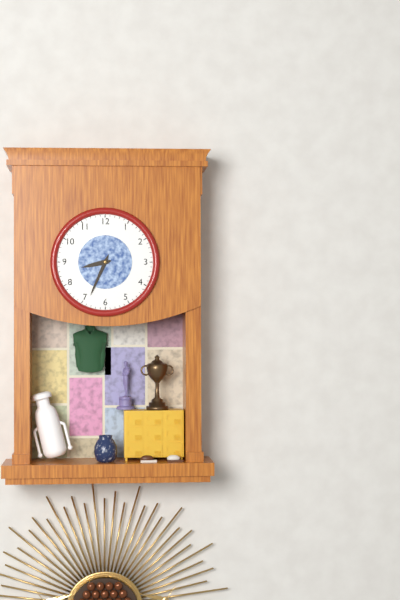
8:34
